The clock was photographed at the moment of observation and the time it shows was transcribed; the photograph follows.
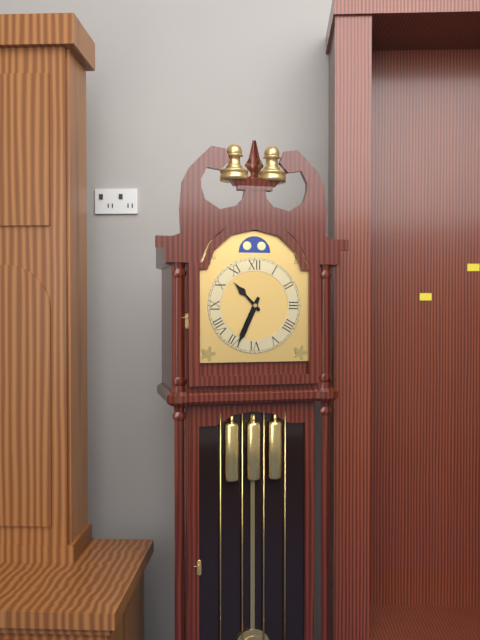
10:34
